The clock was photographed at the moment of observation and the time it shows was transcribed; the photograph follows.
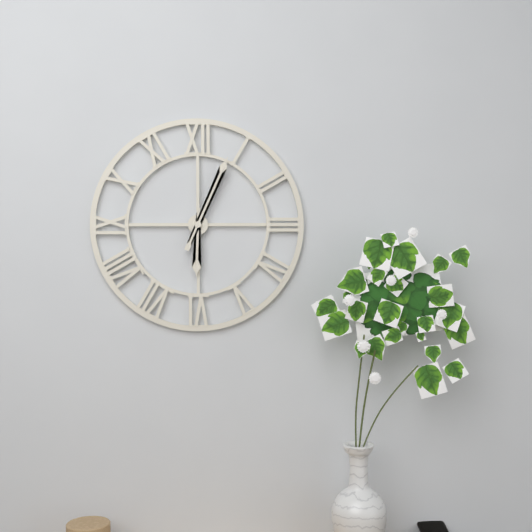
6:04
